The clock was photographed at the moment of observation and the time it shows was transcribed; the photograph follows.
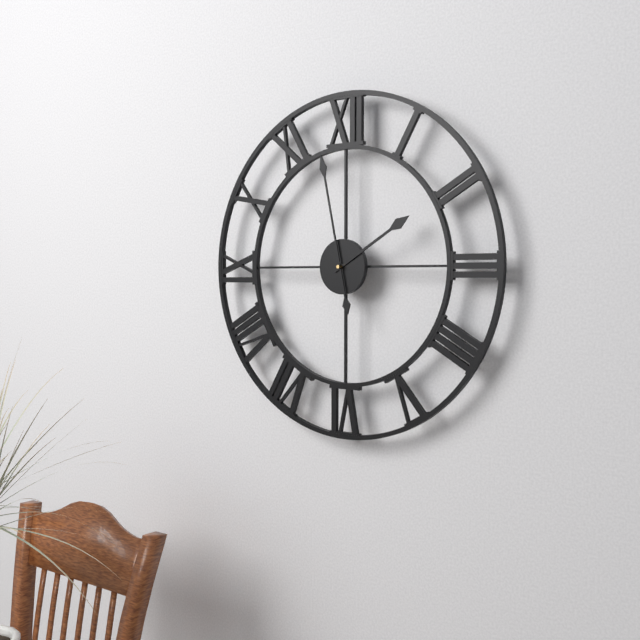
1:58
